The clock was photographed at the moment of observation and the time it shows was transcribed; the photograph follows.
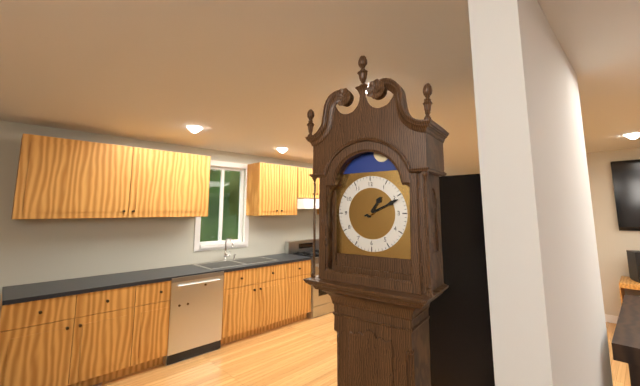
1:11
